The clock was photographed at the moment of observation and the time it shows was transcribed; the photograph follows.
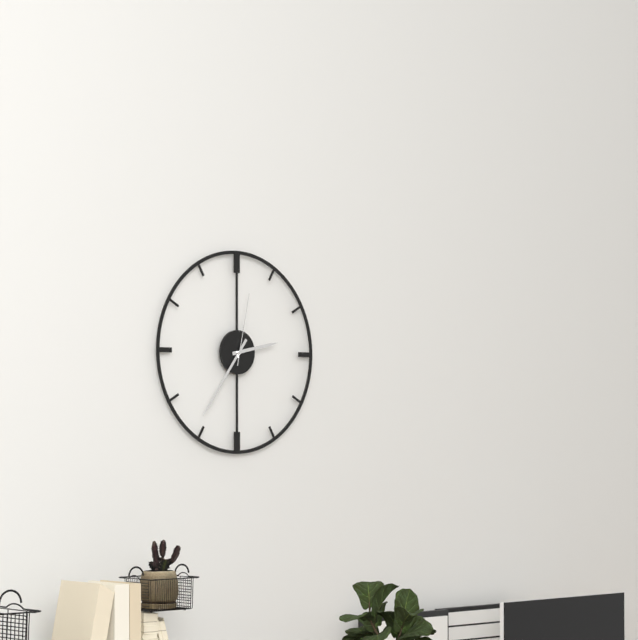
2:36:02
